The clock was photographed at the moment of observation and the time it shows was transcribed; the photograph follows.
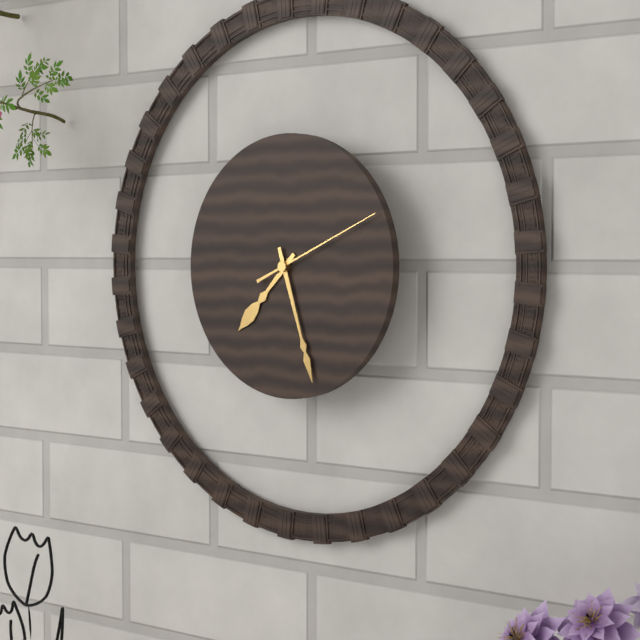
7:27:11
